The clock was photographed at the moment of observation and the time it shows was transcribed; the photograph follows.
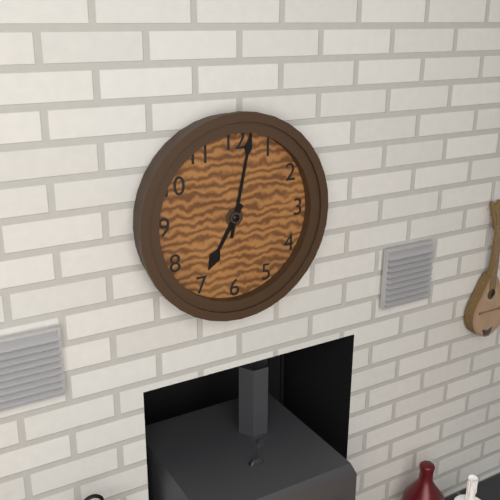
7:02
